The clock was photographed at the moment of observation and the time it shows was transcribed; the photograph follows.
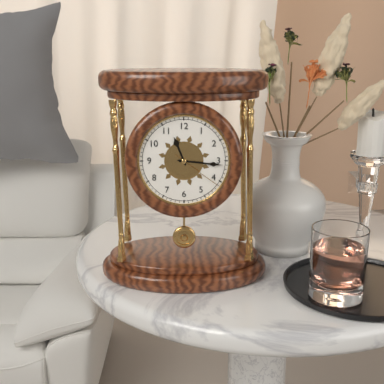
11:16:21
